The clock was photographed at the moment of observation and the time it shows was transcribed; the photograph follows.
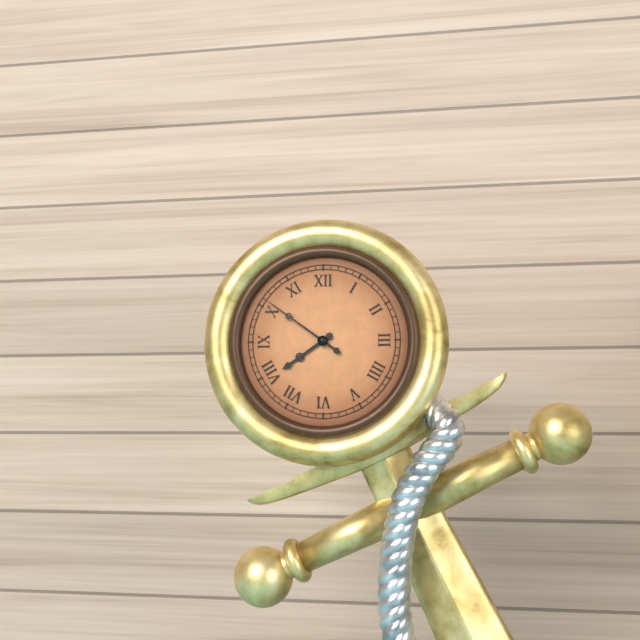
7:51
